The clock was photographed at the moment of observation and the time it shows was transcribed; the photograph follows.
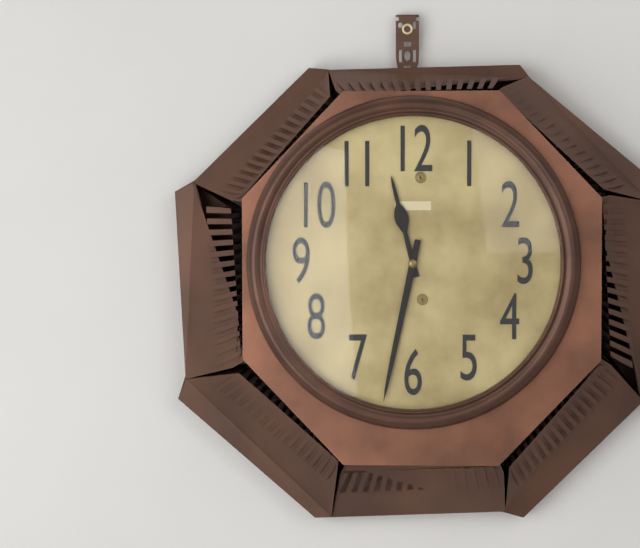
11:32
